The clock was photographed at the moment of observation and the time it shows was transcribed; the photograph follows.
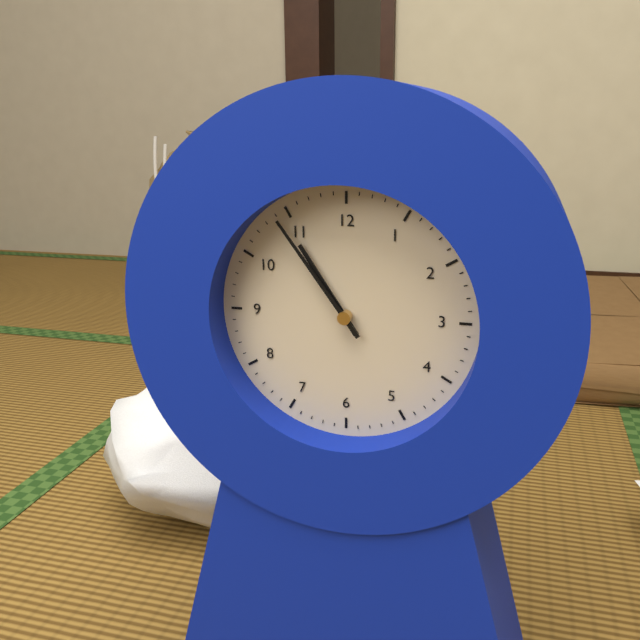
10:54
